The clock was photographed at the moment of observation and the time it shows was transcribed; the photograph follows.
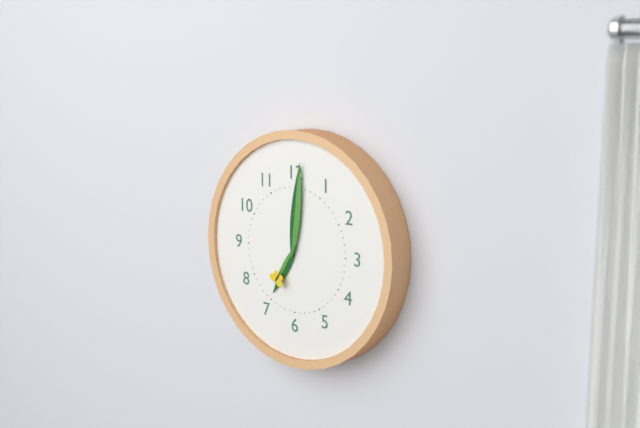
7:01
